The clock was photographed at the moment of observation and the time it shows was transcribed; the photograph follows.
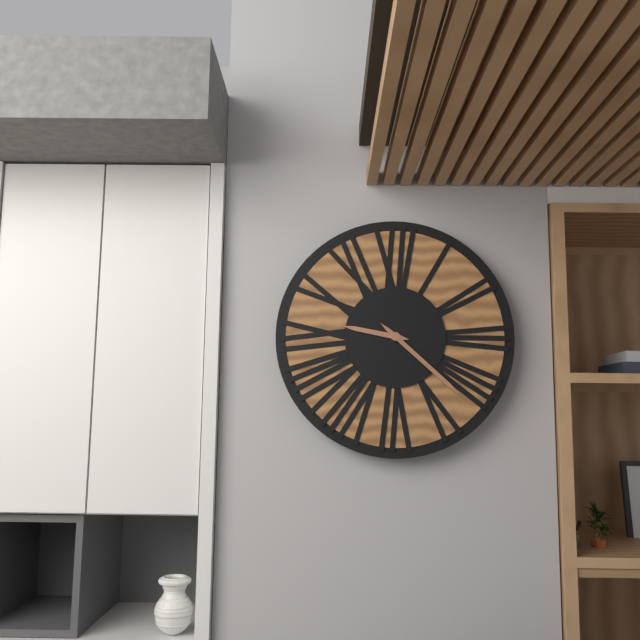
9:22
